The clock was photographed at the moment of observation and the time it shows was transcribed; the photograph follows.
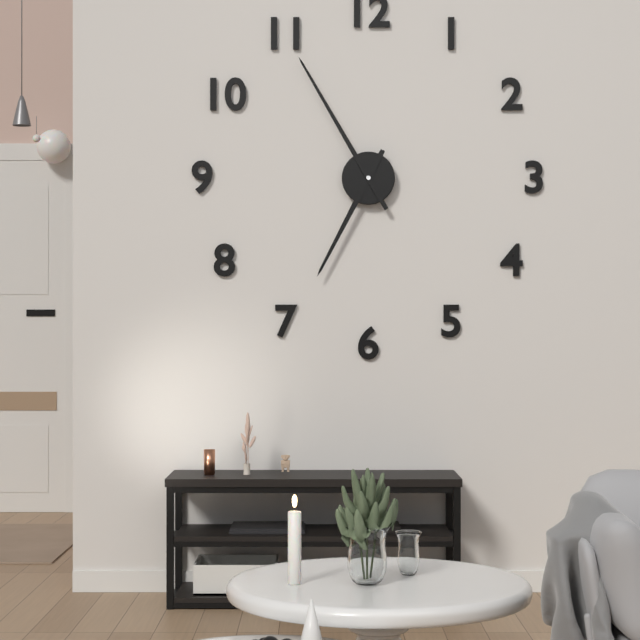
6:55
